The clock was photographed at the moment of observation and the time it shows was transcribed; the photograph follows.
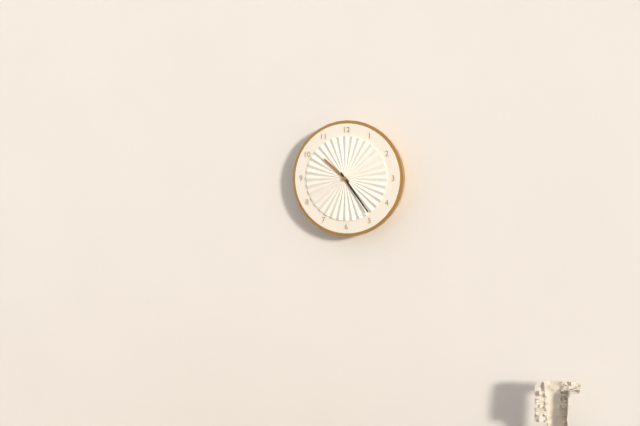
10:24
